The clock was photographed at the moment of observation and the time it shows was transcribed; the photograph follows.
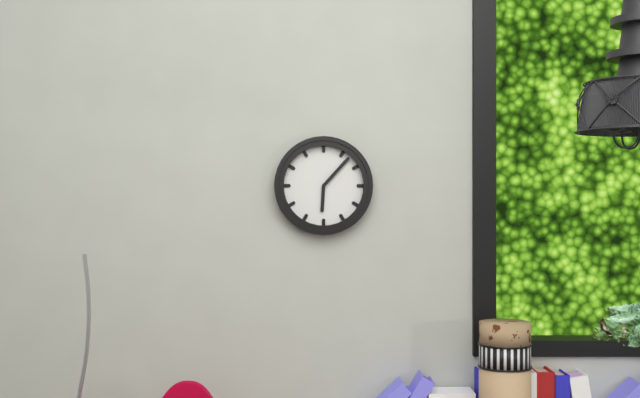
6:07
